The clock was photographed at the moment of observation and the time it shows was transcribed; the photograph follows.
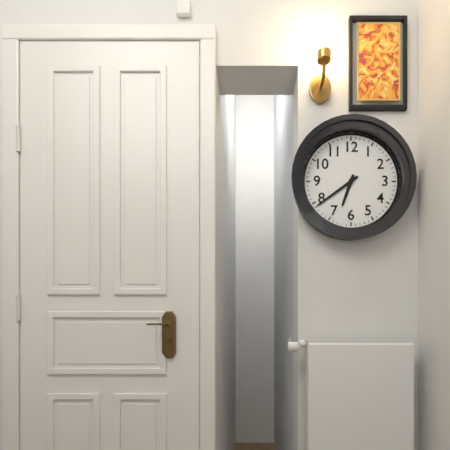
6:39
